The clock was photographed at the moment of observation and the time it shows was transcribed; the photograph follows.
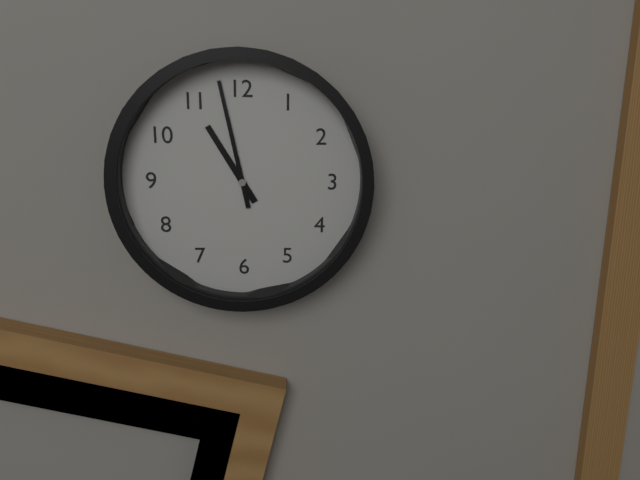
10:58
